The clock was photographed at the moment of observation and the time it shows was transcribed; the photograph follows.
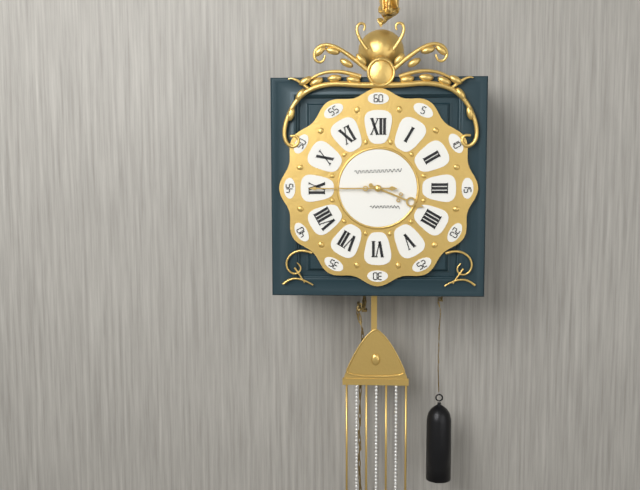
3:45
